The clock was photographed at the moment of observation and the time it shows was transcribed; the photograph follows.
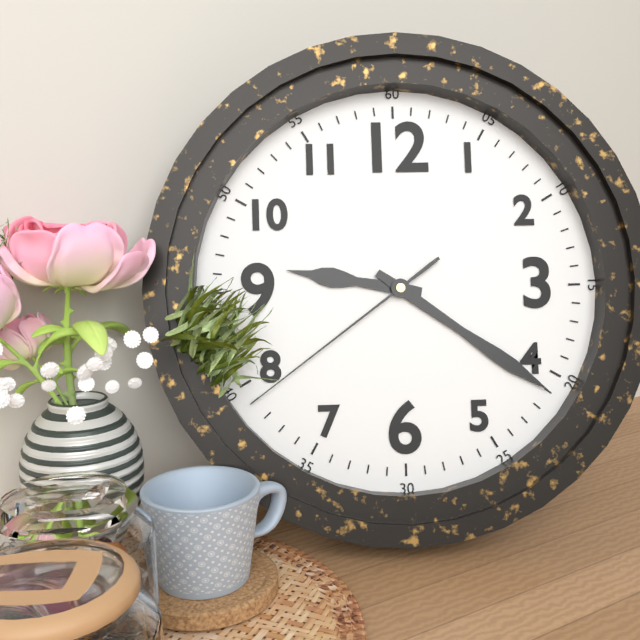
9:21:39
